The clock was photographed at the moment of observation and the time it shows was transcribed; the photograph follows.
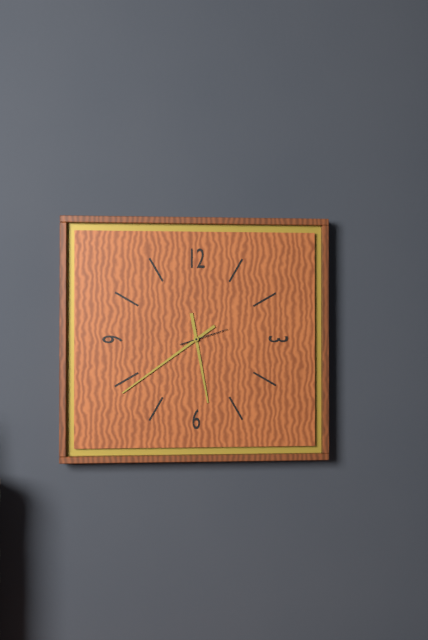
5:39
